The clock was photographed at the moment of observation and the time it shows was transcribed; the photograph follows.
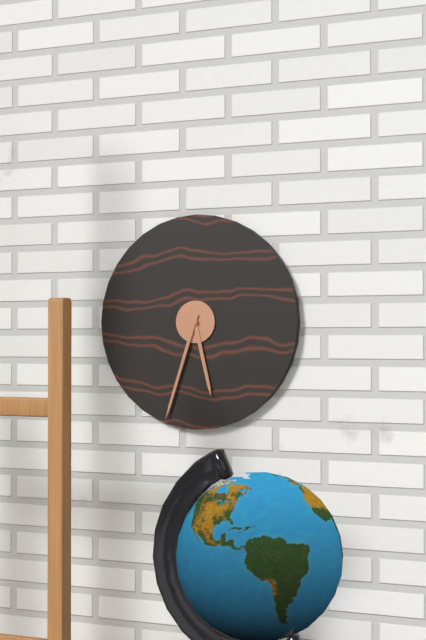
5:33
